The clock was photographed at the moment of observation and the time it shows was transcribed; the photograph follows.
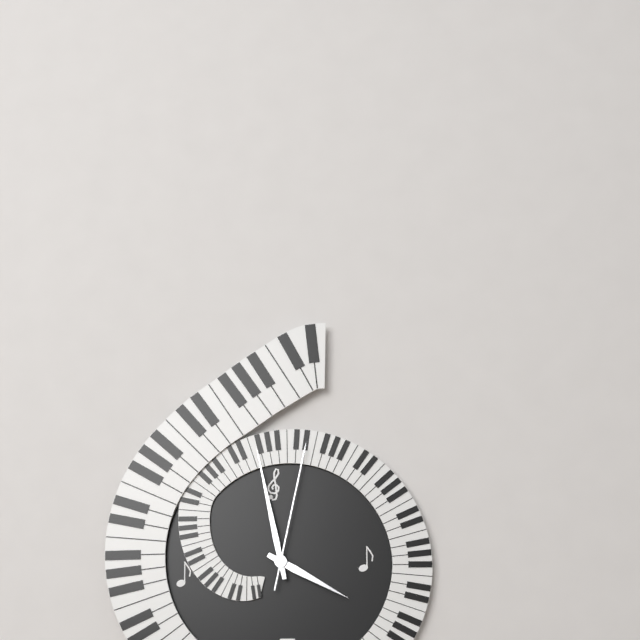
3:58:02
